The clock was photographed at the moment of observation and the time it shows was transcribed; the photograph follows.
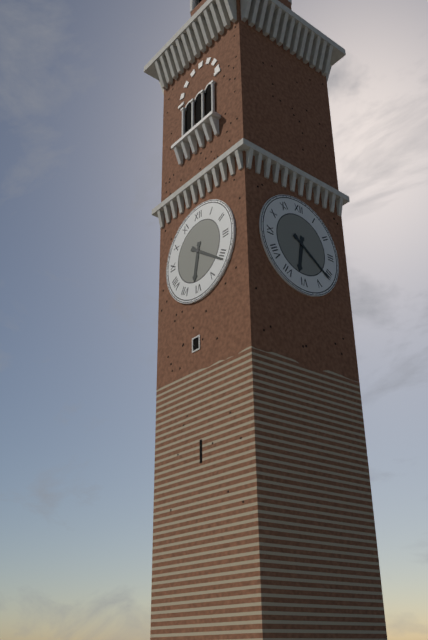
6:21
